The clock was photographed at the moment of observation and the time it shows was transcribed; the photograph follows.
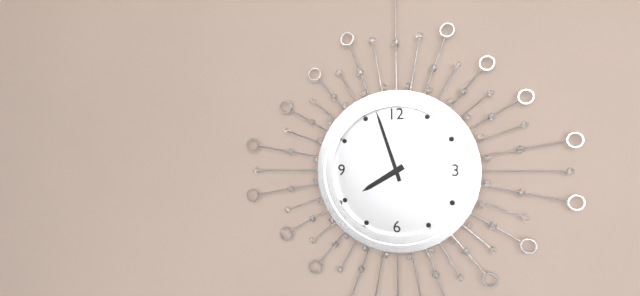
7:57
